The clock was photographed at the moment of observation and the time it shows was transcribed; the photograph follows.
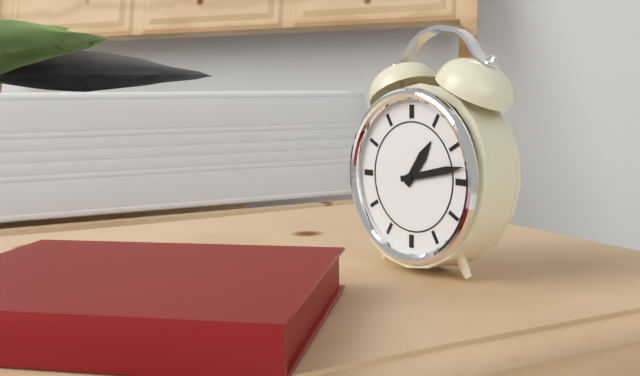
1:13
